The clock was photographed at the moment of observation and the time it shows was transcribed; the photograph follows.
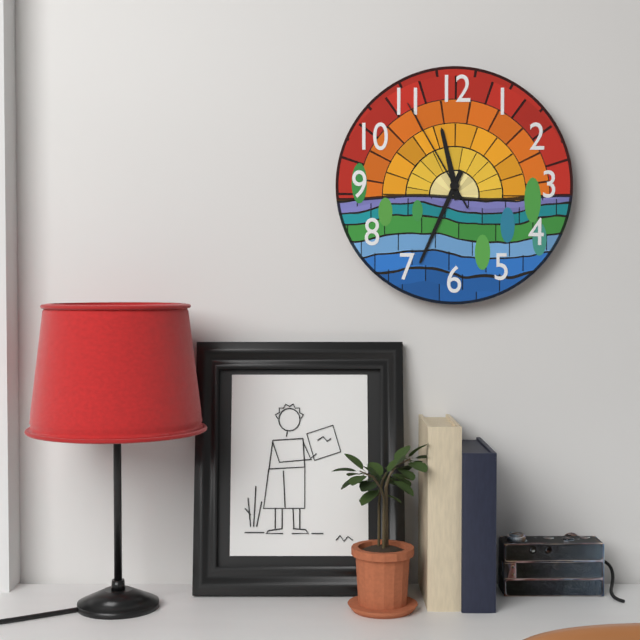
11:34:55
